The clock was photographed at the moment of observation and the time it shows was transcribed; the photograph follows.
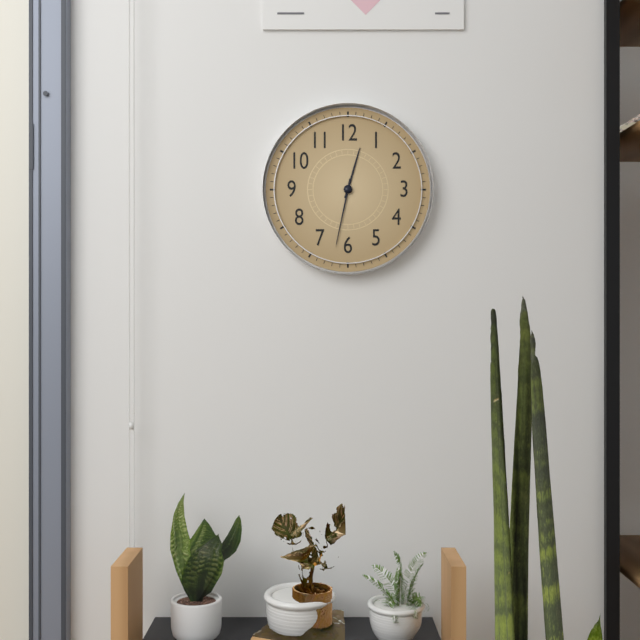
12:32
